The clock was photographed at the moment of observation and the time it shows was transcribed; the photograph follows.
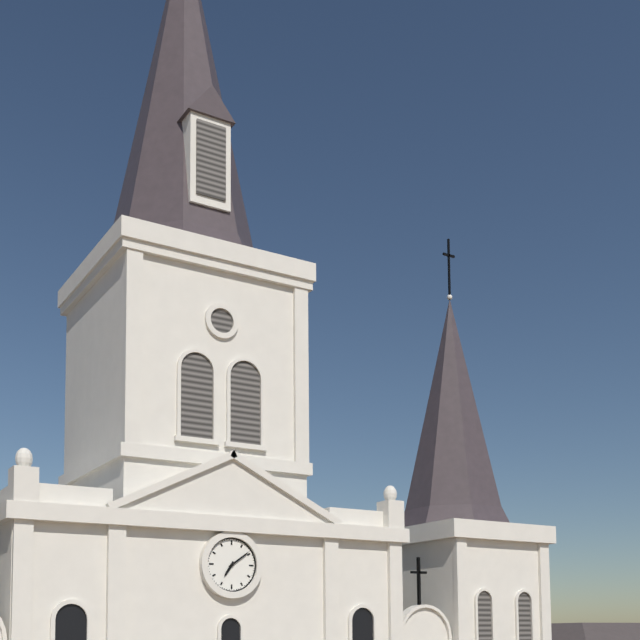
7:09
